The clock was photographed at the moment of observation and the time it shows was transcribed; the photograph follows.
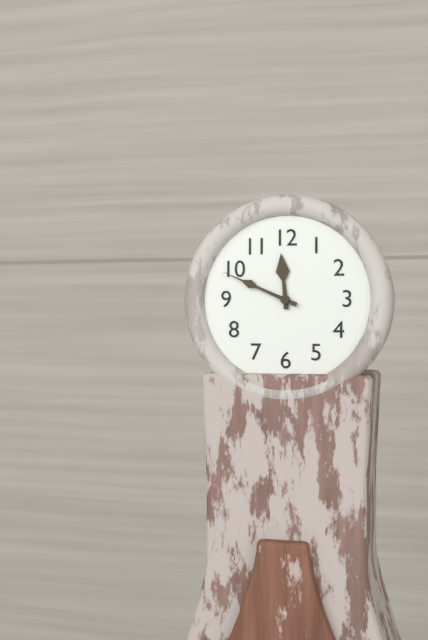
11:49
